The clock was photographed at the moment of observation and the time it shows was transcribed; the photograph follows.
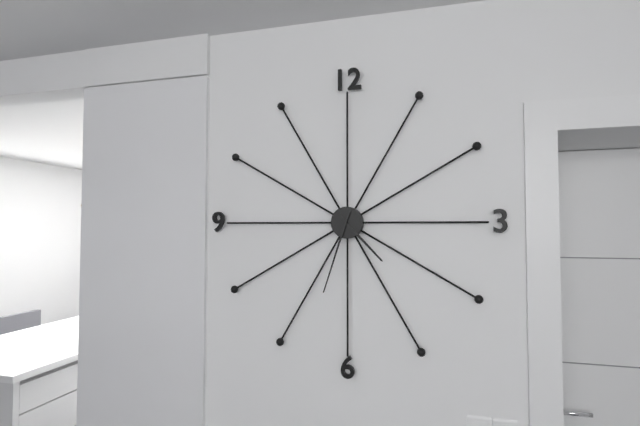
4:33
